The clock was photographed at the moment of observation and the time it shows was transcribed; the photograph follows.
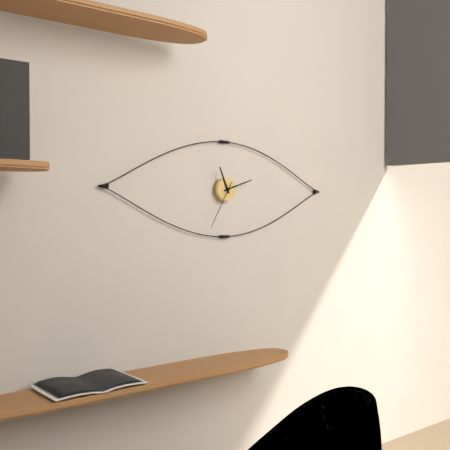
11:12
